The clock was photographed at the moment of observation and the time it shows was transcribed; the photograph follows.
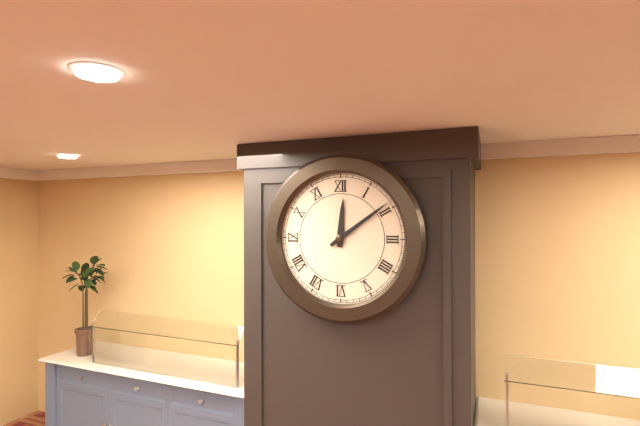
12:09
